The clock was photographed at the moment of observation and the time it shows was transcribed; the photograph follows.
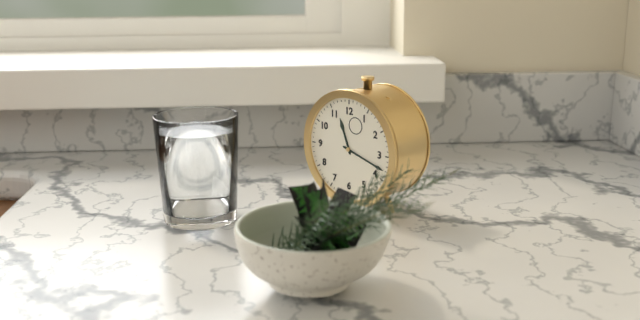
11:18
